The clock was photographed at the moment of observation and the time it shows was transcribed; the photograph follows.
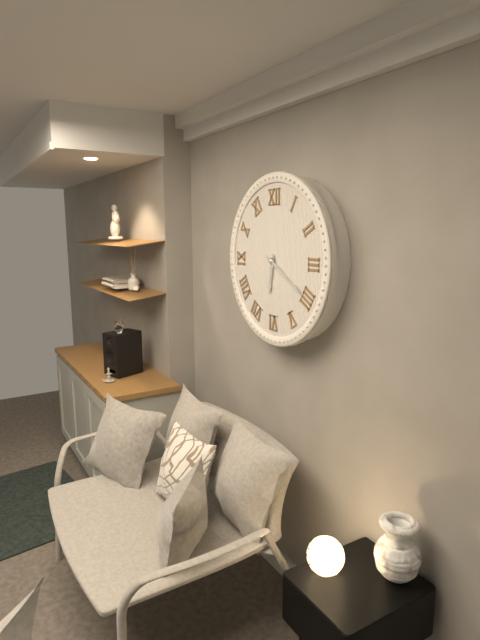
6:20
